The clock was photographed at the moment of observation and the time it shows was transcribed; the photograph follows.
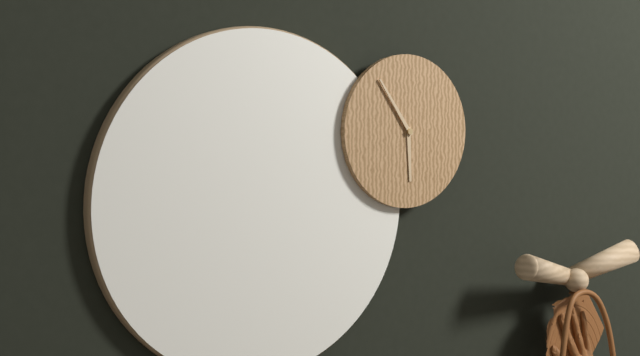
5:54
